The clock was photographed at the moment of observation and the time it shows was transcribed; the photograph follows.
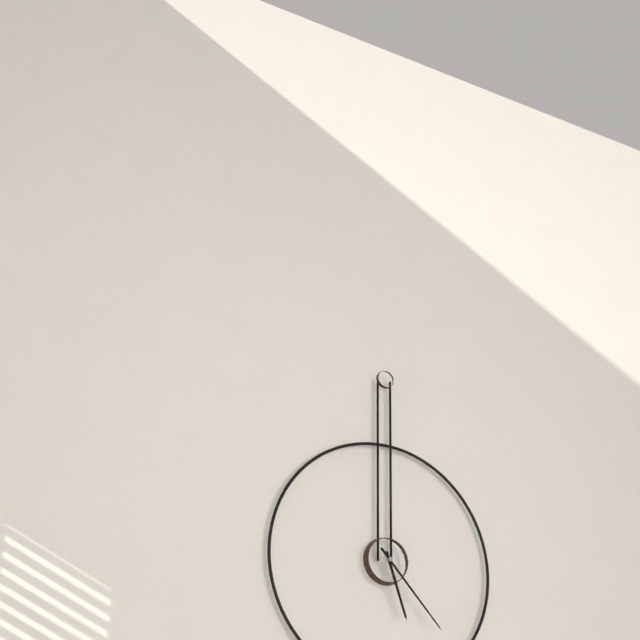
5:23
